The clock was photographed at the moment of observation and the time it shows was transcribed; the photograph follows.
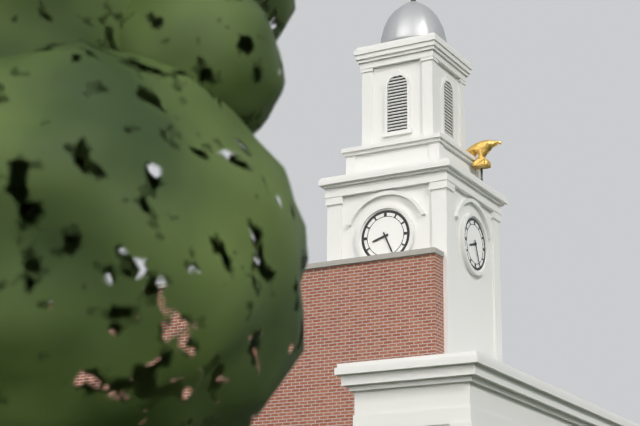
8:26
